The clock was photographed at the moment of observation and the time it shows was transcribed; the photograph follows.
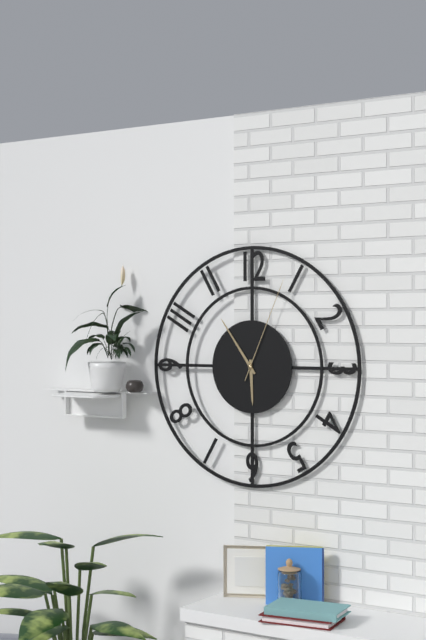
5:54:04
